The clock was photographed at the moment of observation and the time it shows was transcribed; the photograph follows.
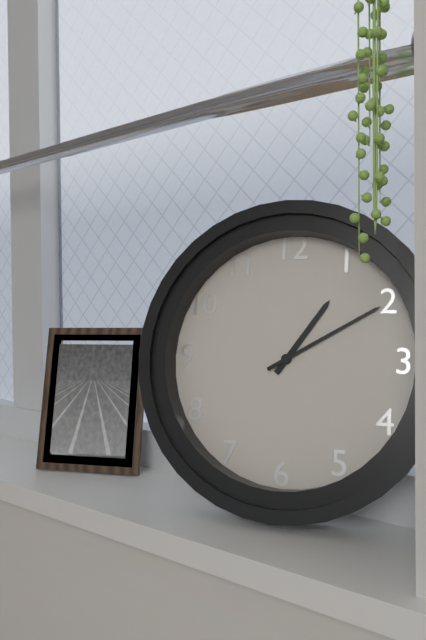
1:10
